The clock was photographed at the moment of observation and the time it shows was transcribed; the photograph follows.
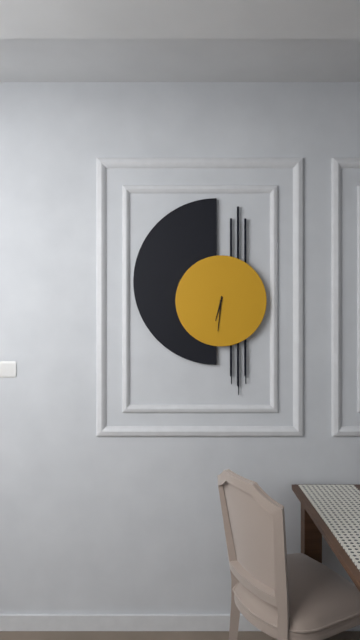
6:31
